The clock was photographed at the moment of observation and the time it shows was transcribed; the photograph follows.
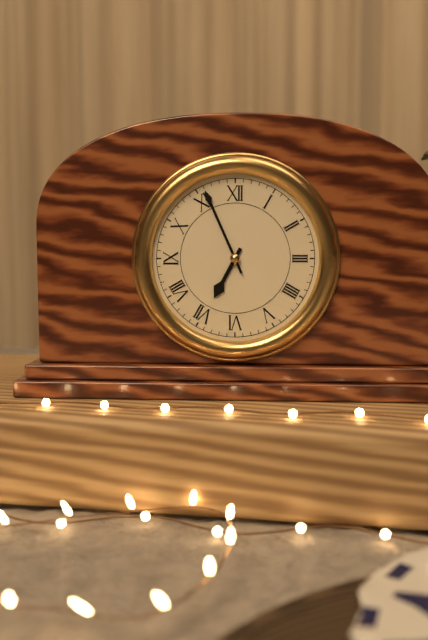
6:56
